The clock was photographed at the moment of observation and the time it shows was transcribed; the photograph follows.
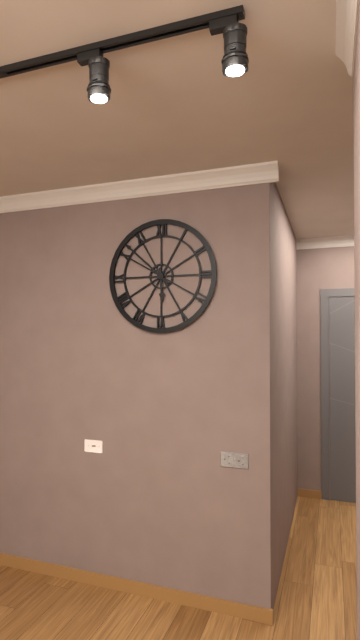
5:52
